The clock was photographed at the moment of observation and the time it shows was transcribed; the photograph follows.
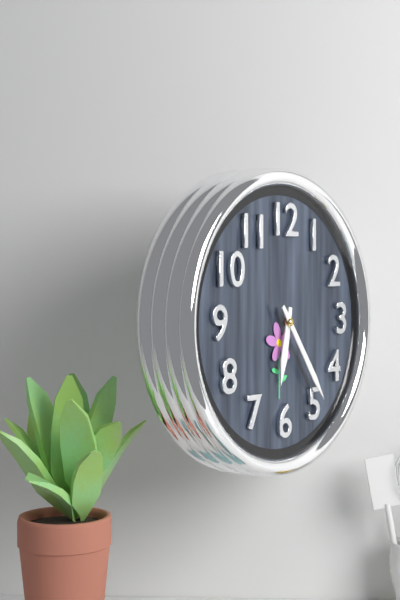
6:24
